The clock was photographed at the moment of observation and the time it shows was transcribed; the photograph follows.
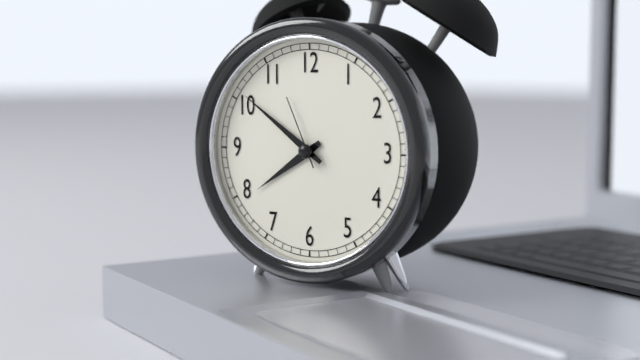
7:51:56
